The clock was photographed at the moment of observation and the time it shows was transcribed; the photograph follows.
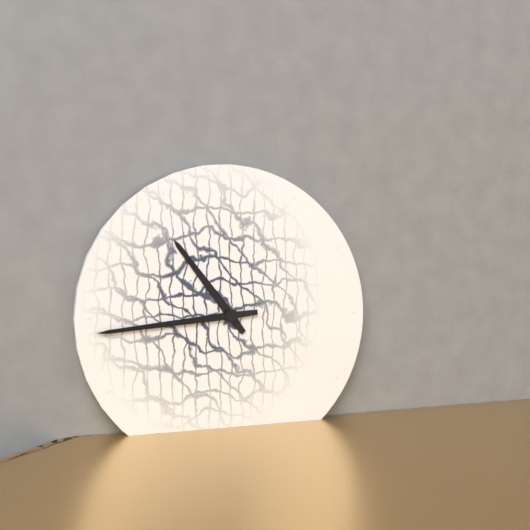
10:44
